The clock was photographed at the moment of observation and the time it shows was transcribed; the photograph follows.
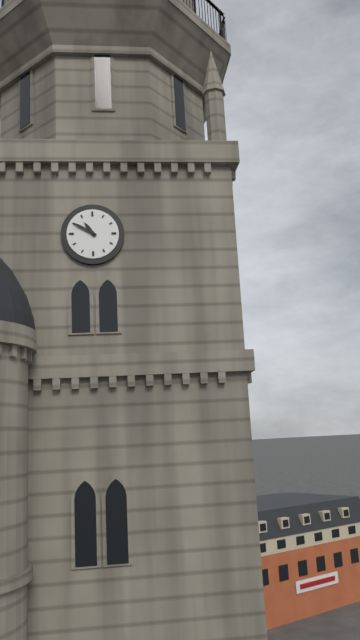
10:50
